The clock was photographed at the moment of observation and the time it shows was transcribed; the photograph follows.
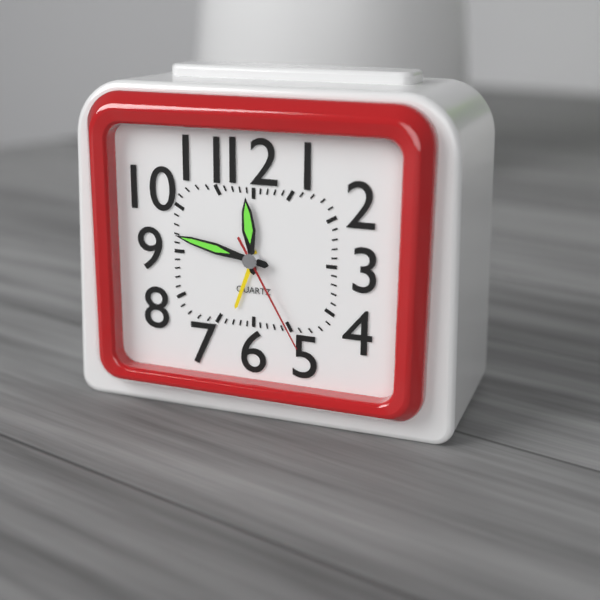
11:47:25
